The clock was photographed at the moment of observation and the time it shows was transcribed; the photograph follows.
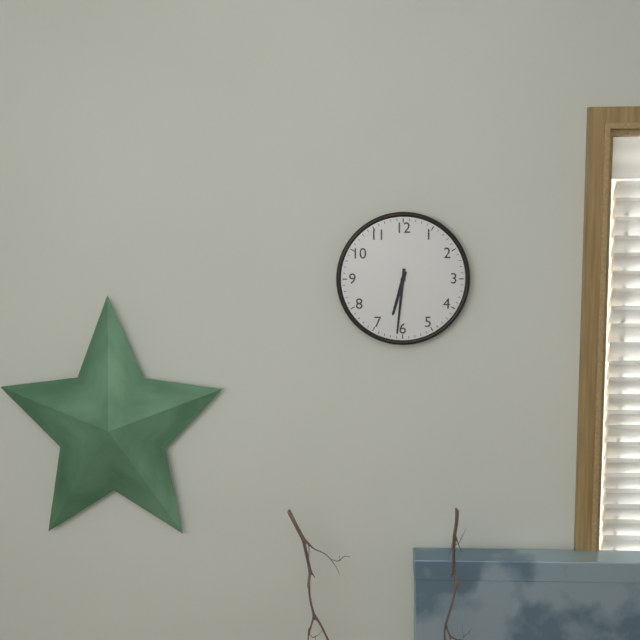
6:31
